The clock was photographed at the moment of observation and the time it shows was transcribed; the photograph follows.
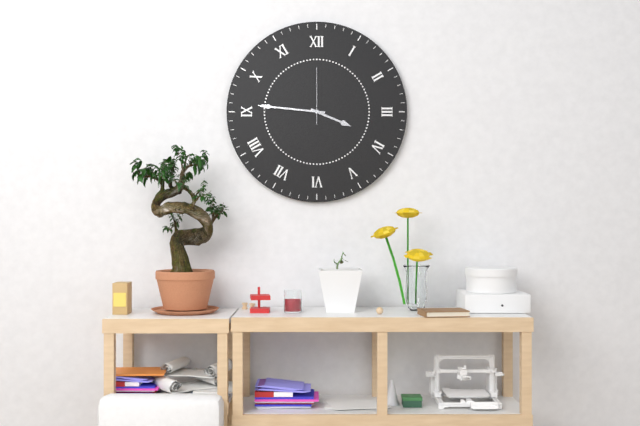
3:46:00
